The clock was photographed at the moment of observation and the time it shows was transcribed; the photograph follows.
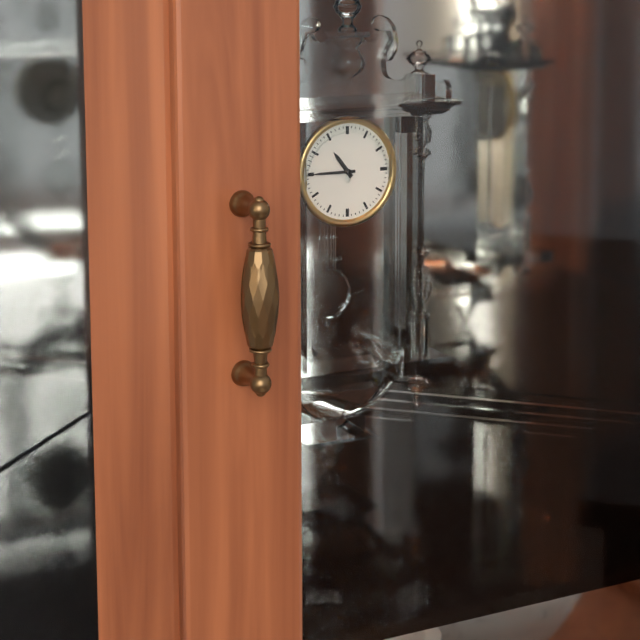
10:45
